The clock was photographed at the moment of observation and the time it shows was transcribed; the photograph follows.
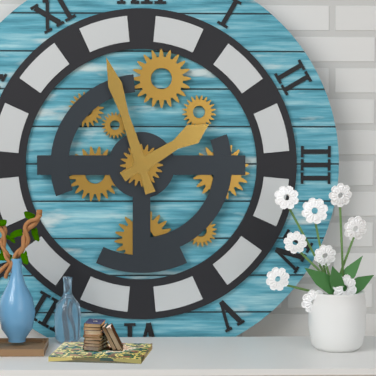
1:57
